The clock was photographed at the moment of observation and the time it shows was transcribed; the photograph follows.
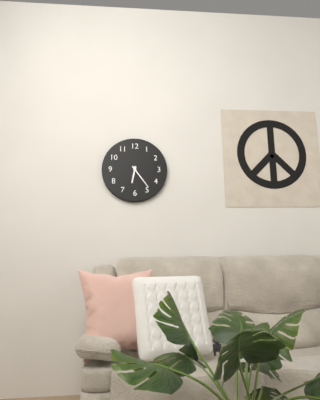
6:24
